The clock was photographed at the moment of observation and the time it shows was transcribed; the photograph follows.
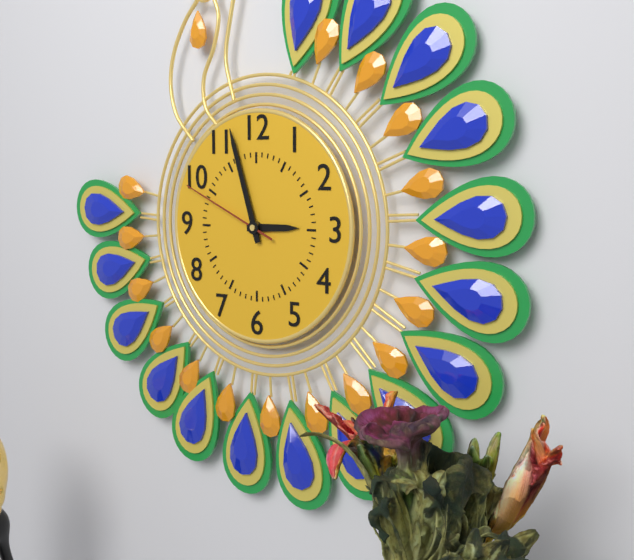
2:57:49
